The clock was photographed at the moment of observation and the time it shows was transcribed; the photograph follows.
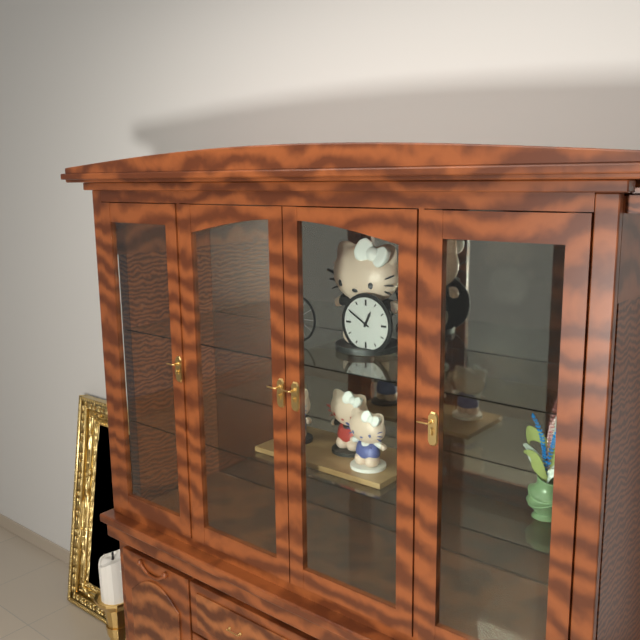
12:50
